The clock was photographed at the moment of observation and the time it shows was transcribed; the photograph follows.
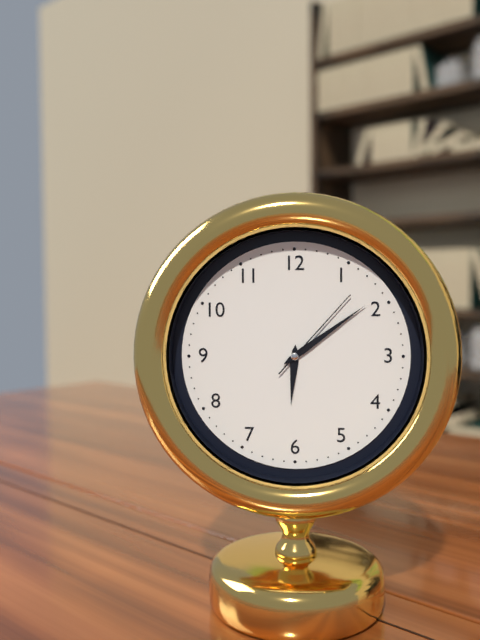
6:09:07
